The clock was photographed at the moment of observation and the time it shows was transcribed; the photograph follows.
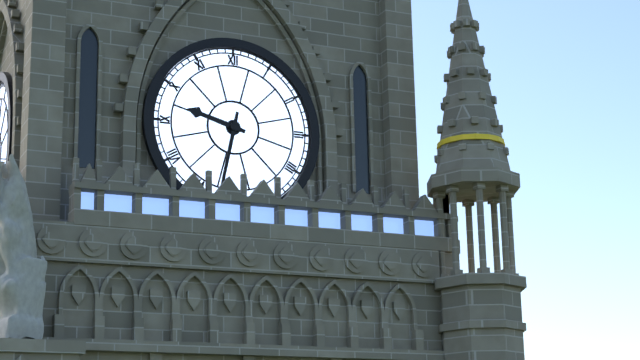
9:32
